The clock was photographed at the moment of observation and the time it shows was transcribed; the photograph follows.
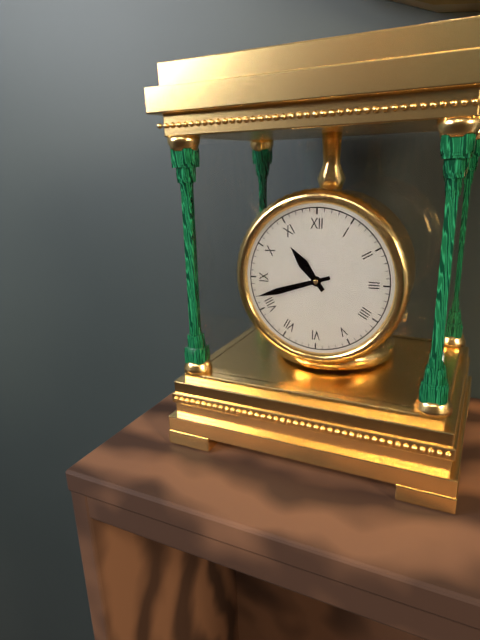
10:42
